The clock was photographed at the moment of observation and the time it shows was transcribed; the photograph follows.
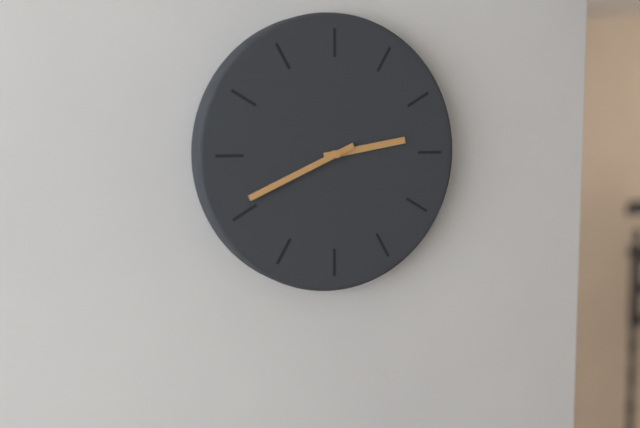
2:41
